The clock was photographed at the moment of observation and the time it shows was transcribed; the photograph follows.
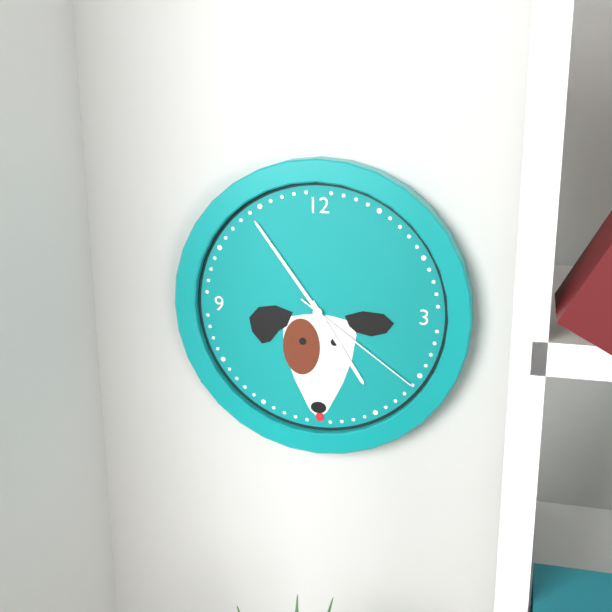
4:54:21
